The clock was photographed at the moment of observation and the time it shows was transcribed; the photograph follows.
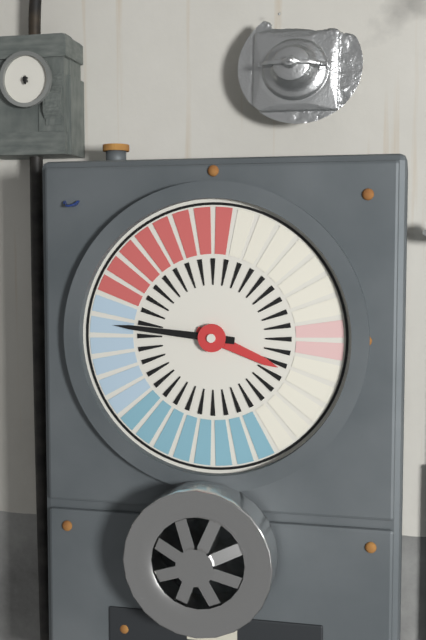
3:46
